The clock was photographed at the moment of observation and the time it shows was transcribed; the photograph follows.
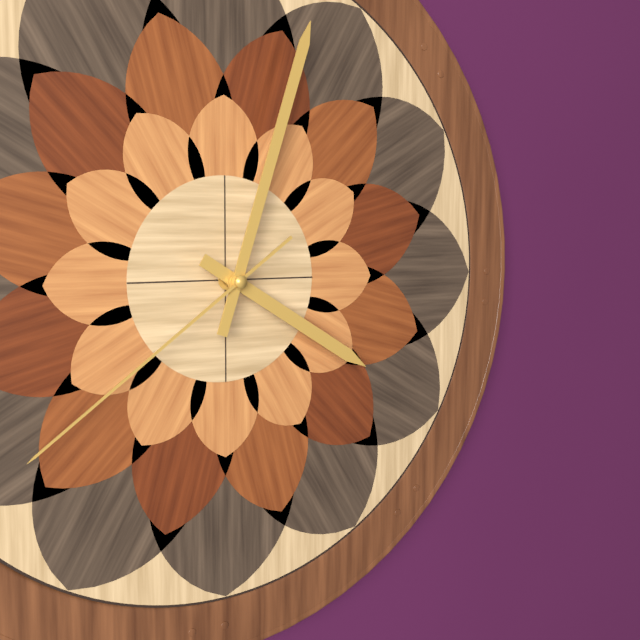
4:03:39
